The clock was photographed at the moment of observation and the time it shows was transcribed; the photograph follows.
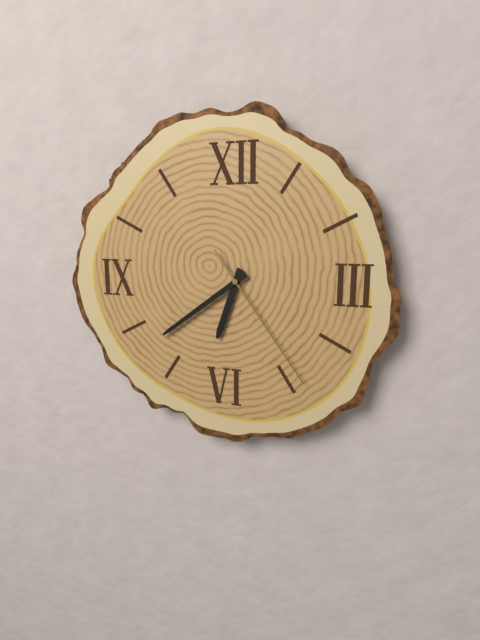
6:39:24
